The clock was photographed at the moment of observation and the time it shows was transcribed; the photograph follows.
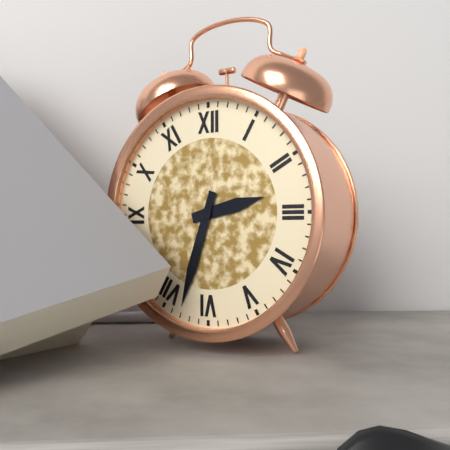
2:33
